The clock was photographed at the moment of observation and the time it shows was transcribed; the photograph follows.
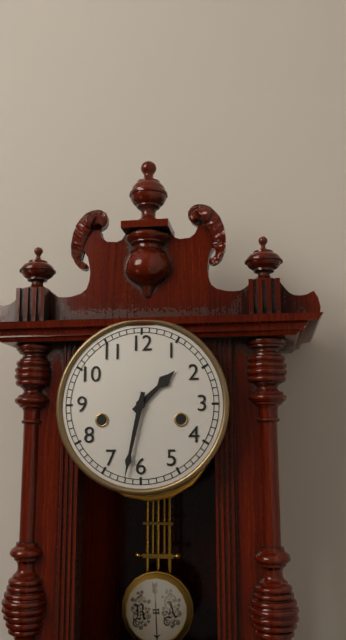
1:32
